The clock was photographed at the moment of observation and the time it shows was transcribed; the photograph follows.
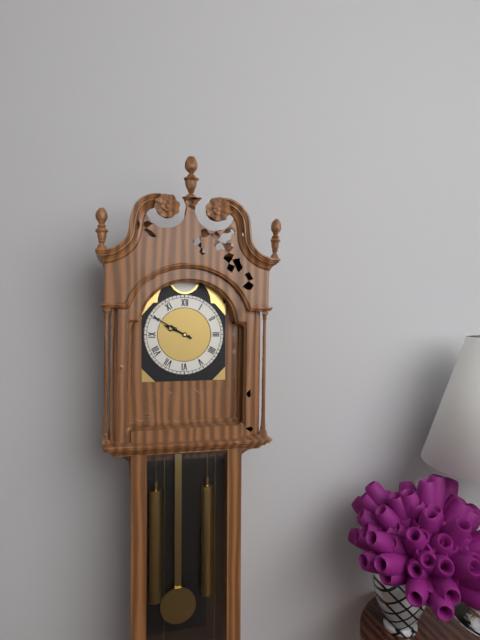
9:50
